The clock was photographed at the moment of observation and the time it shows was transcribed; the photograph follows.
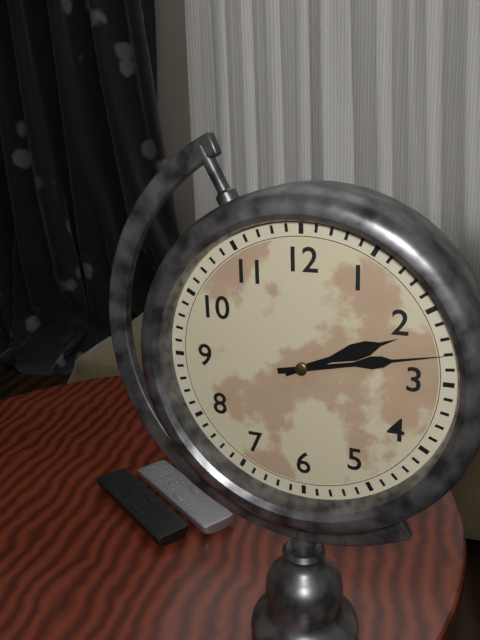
2:13
